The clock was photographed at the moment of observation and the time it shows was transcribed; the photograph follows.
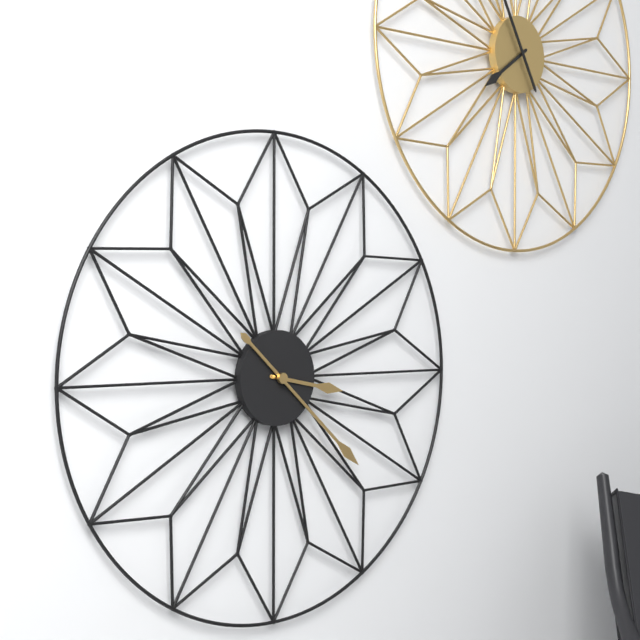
3:22
